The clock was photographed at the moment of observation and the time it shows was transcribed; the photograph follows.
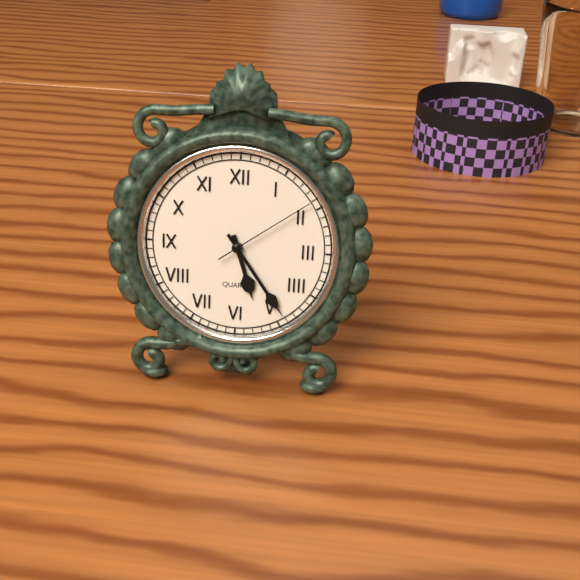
5:24:09
